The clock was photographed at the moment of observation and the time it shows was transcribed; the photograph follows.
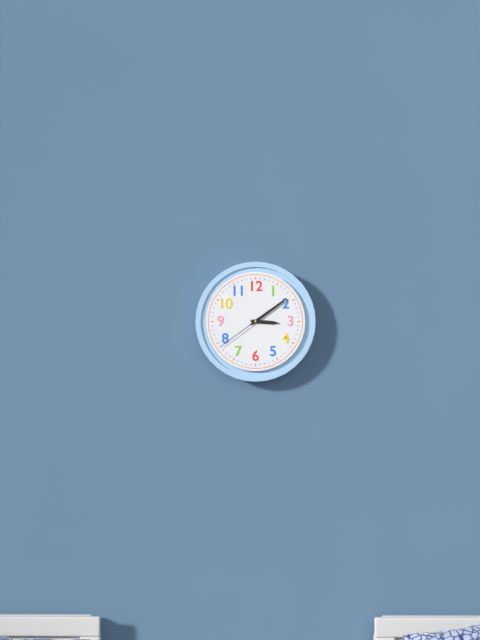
3:09:39
